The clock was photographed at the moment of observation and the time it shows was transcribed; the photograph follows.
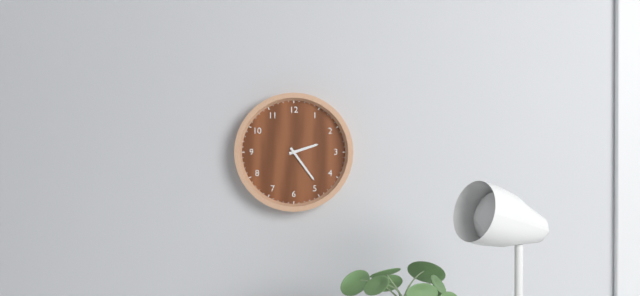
2:24
